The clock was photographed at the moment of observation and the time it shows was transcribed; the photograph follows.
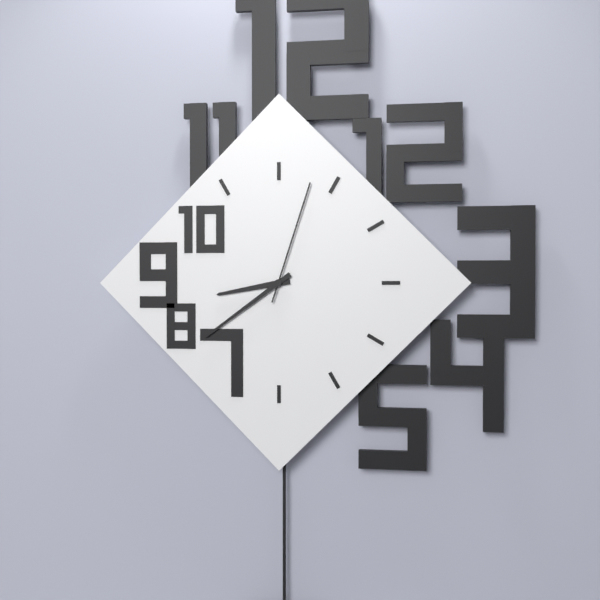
8:39:03
